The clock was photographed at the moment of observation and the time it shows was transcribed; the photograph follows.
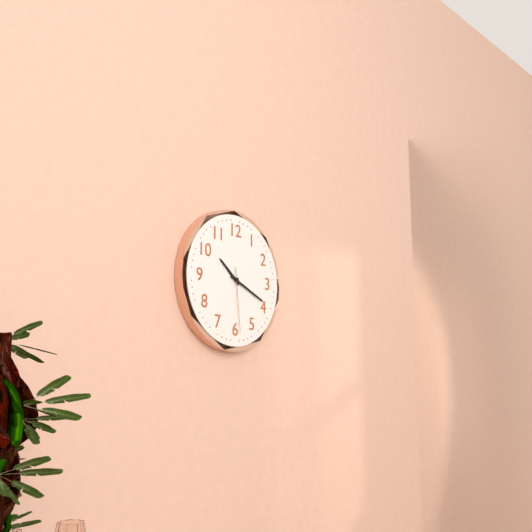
10:19:29
